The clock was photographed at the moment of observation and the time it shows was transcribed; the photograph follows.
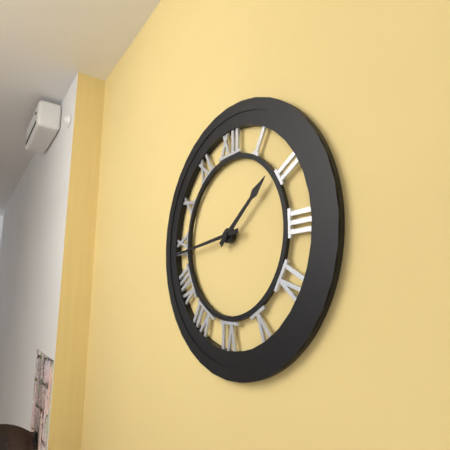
1:44
